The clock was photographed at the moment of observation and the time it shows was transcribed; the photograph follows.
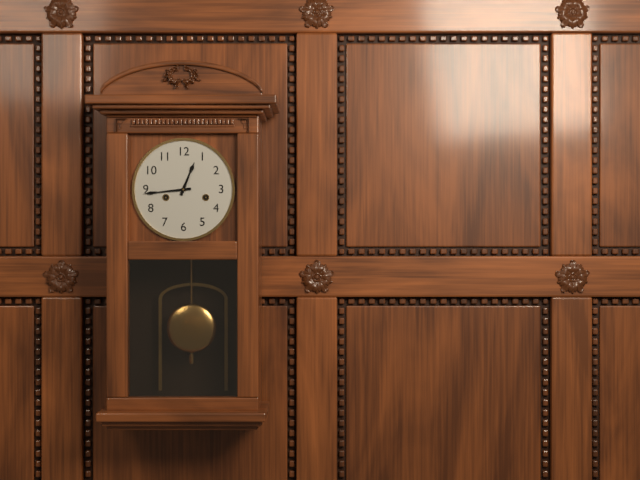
12:44
